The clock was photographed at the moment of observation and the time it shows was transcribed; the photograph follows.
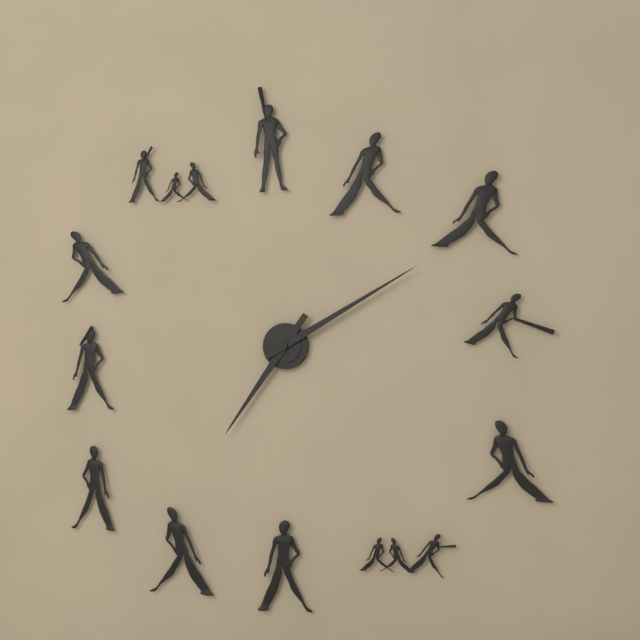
7:10
